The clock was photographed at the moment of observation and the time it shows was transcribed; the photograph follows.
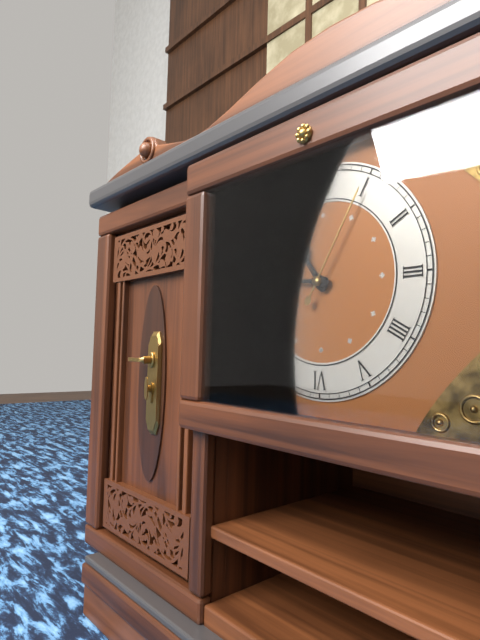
10:46:05
